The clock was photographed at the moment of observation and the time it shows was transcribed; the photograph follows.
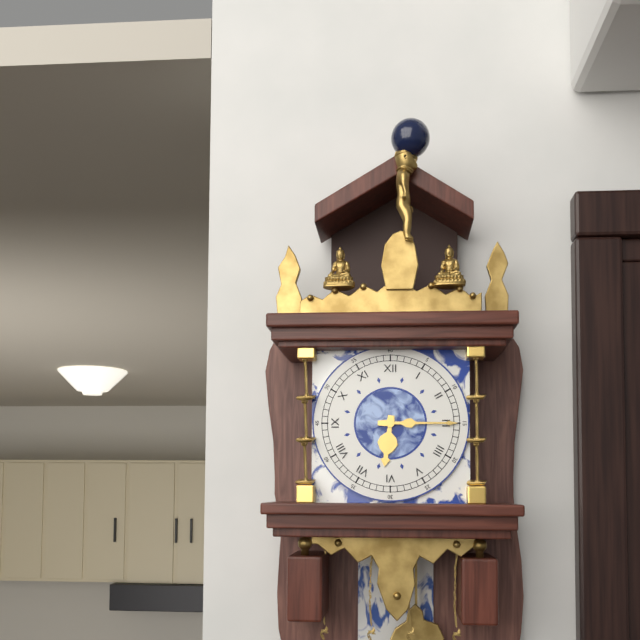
6:15
